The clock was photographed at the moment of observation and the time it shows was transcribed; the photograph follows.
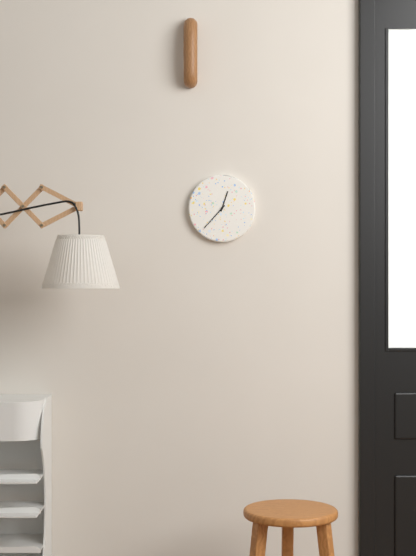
12:37
